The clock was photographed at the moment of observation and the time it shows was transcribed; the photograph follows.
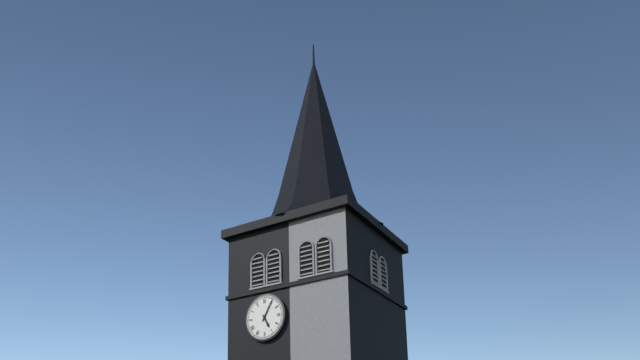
5:05
